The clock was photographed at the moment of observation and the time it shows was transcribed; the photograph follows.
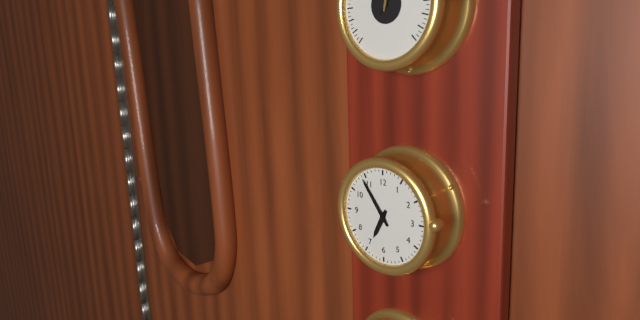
6:54
